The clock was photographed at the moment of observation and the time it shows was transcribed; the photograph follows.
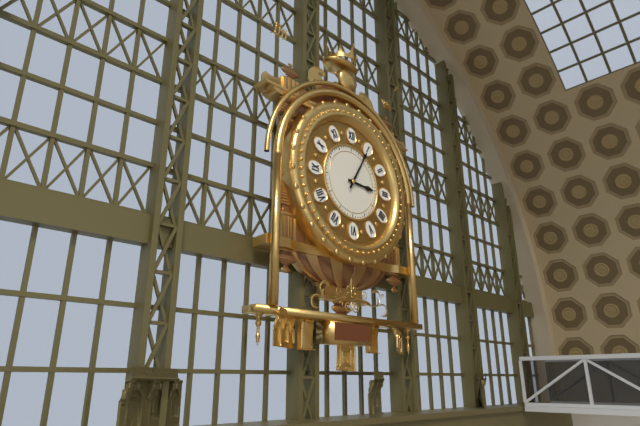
3:05
